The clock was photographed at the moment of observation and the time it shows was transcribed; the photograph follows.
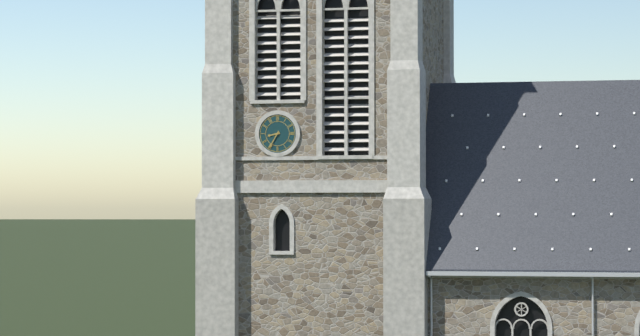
8:35
